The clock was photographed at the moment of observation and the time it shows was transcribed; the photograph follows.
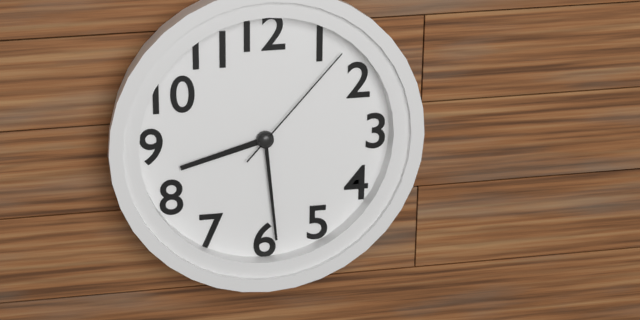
8:29:07
